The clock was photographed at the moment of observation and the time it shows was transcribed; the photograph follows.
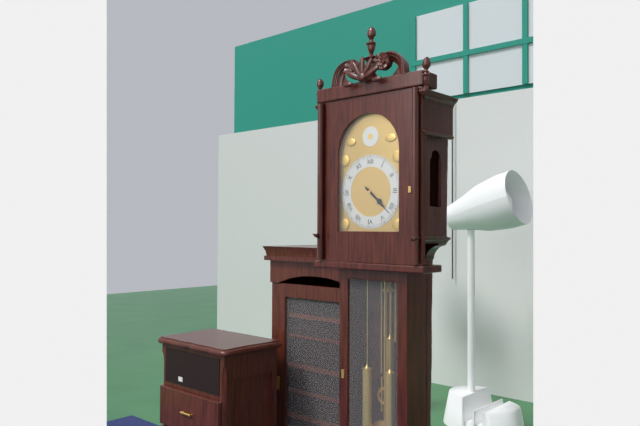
4:22
